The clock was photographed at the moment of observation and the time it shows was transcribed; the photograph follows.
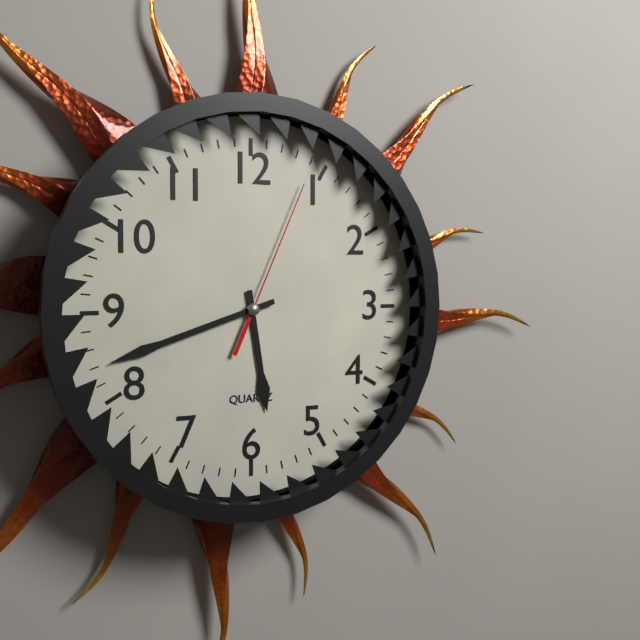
5:42:04
